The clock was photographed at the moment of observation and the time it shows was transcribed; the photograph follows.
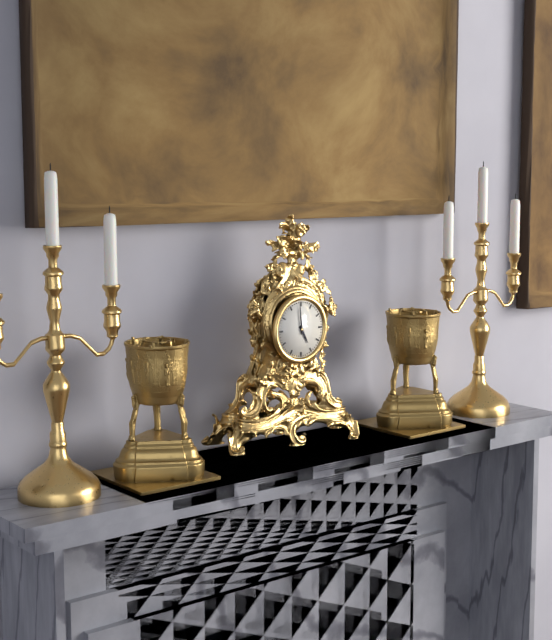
4:59
